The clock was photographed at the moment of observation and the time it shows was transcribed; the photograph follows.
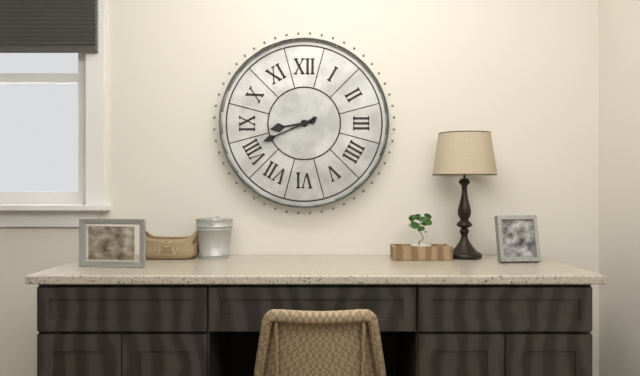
8:41
